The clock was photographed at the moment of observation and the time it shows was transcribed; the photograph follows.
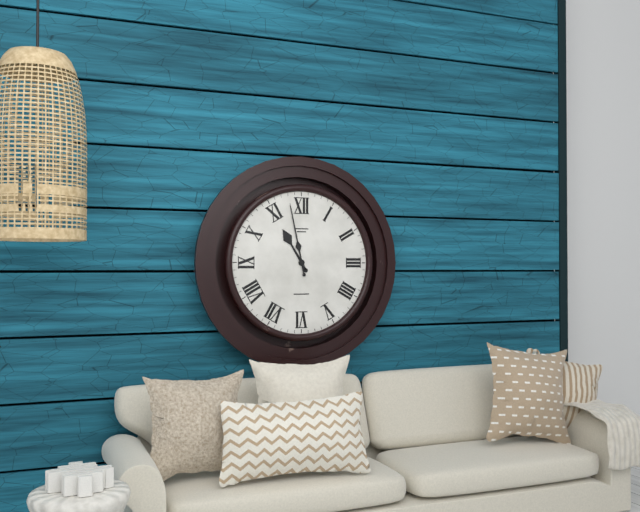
10:58
